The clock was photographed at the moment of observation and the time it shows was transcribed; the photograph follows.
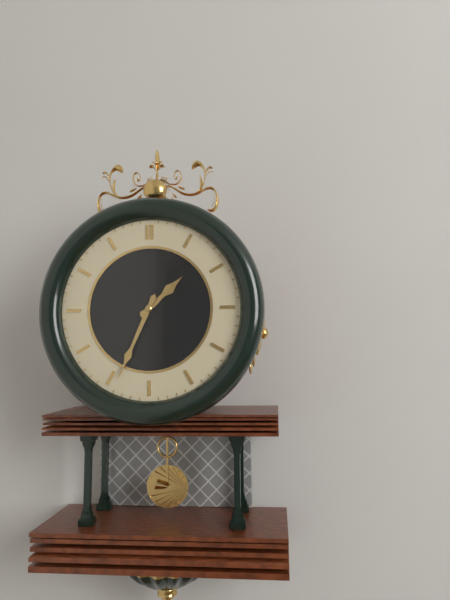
1:34
